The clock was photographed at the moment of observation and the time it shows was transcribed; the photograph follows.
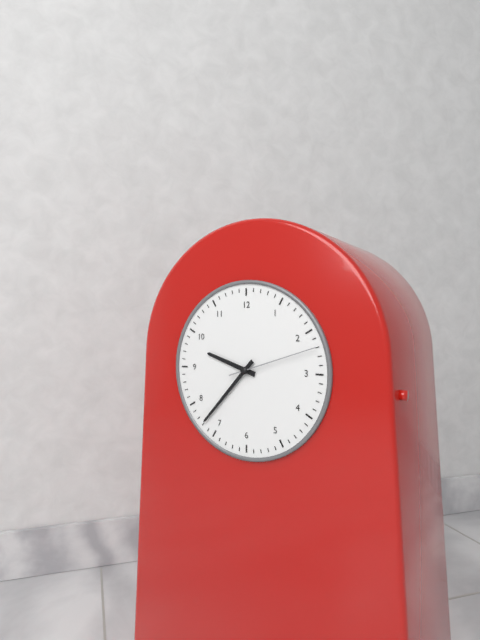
9:37:12
